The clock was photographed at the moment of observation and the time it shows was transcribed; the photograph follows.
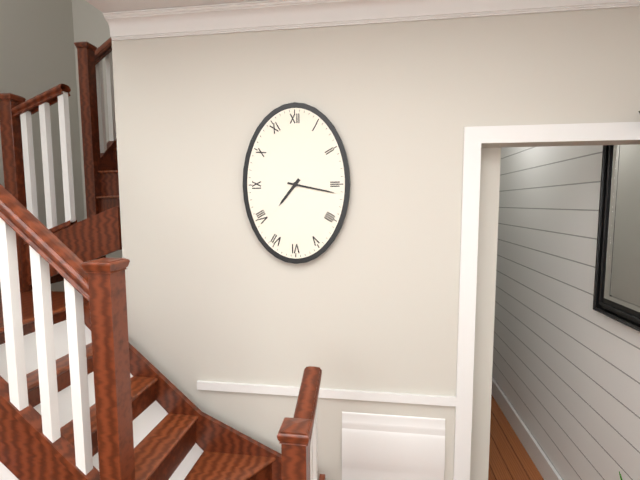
7:17
